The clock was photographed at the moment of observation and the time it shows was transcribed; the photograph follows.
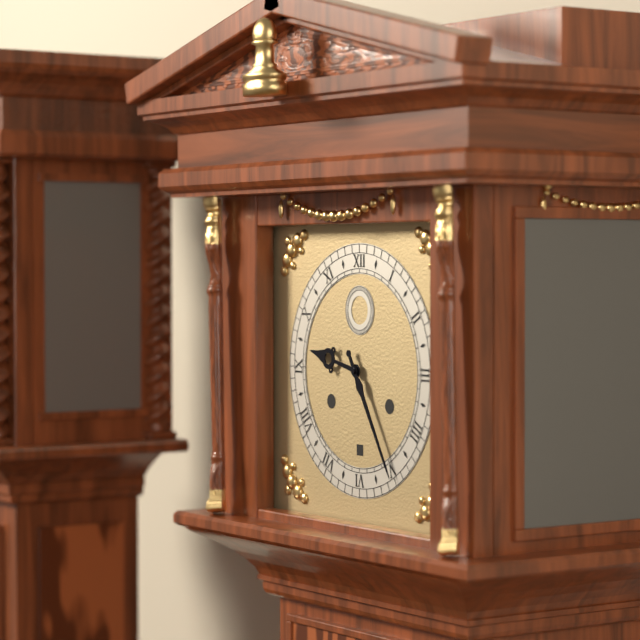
9:25
